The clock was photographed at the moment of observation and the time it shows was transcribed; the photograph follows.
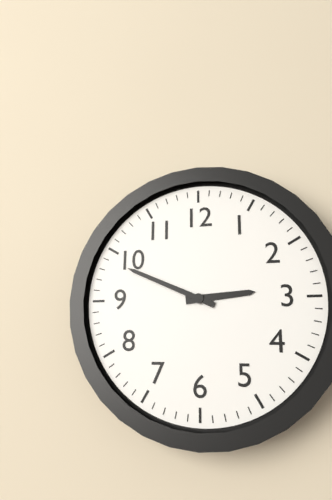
2:49
